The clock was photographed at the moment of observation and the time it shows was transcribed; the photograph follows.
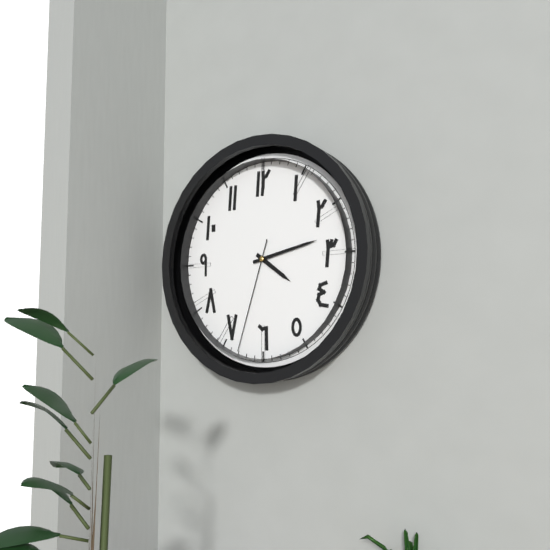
4:13:33
